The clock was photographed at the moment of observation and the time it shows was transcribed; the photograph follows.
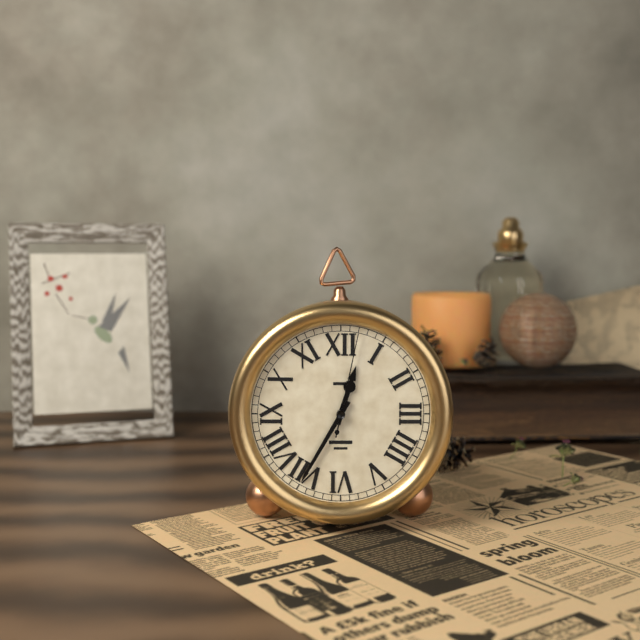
12:35:02
